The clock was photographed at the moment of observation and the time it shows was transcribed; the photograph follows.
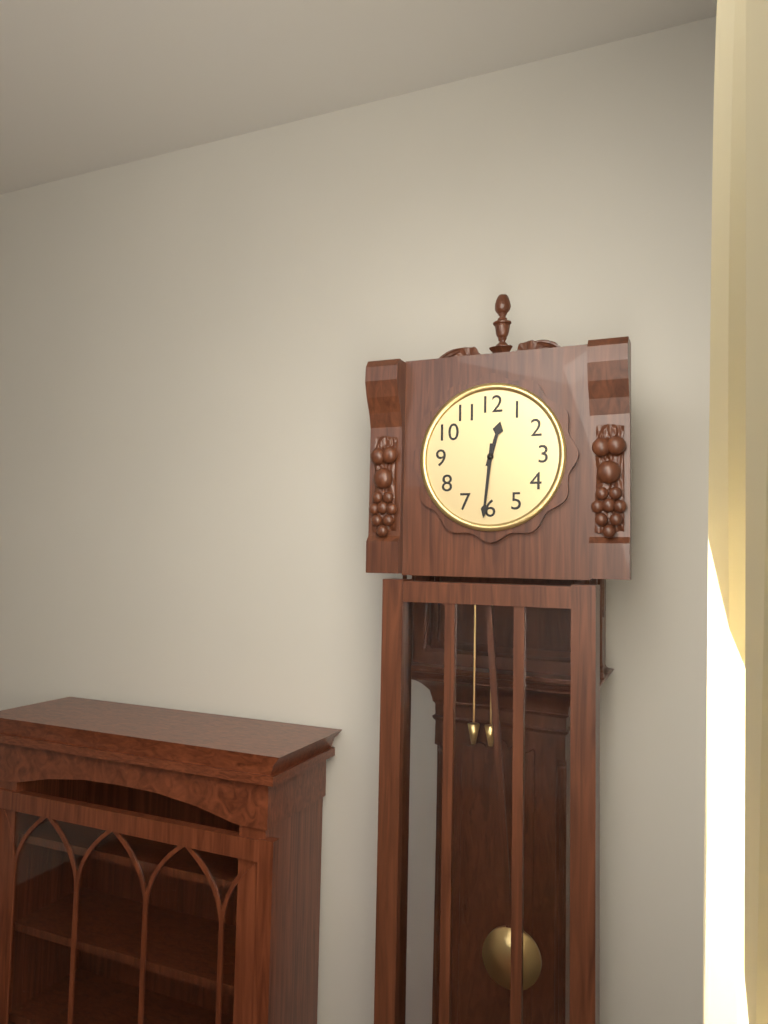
12:31
